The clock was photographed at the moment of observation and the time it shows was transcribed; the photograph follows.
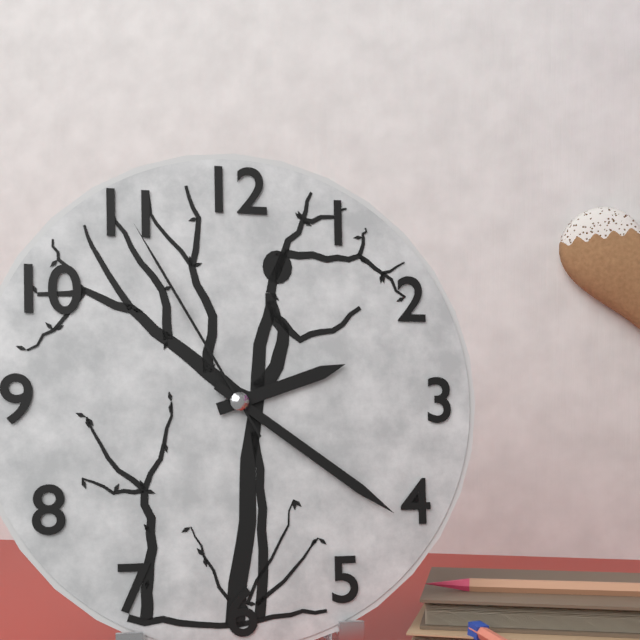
2:21:55
